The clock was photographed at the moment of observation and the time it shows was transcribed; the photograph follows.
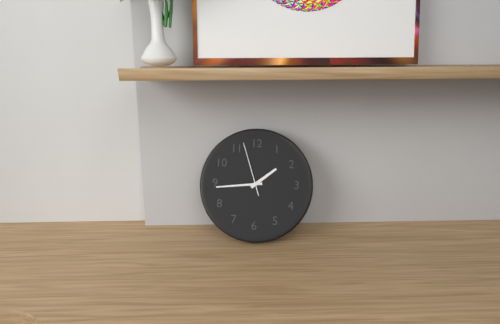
1:44:57
